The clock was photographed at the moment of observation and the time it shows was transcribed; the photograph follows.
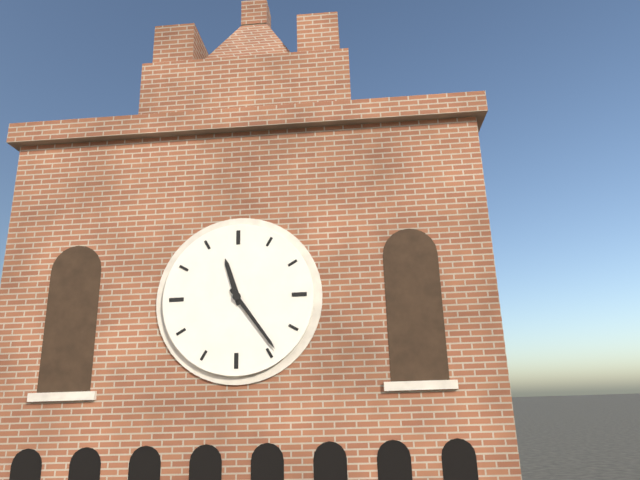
11:24
